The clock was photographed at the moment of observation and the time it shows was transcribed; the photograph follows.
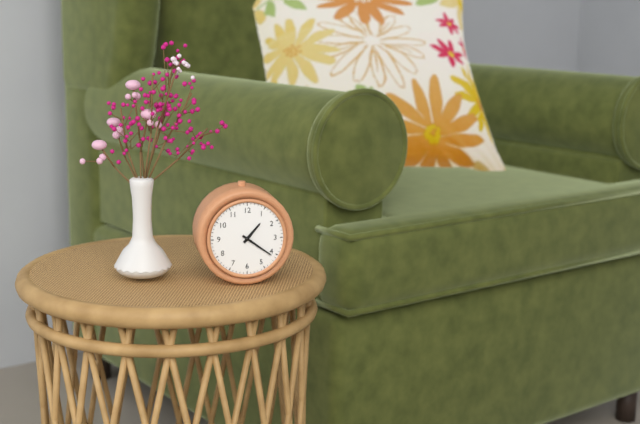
1:21
